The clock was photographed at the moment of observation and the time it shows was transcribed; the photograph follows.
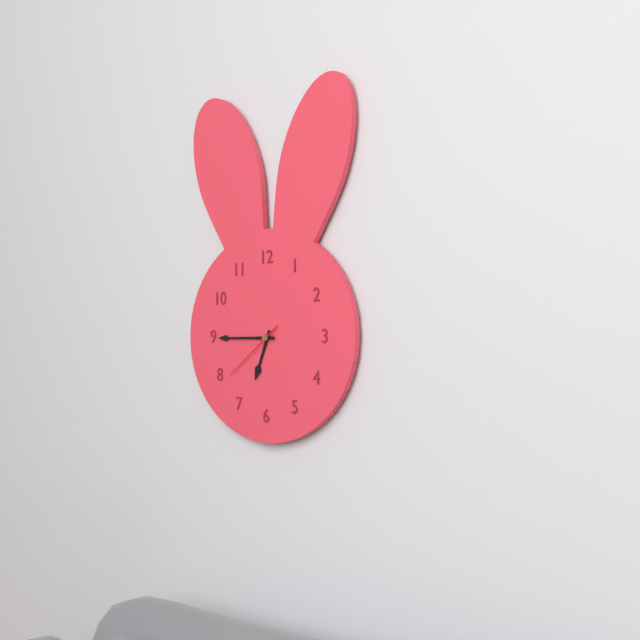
6:45:39
